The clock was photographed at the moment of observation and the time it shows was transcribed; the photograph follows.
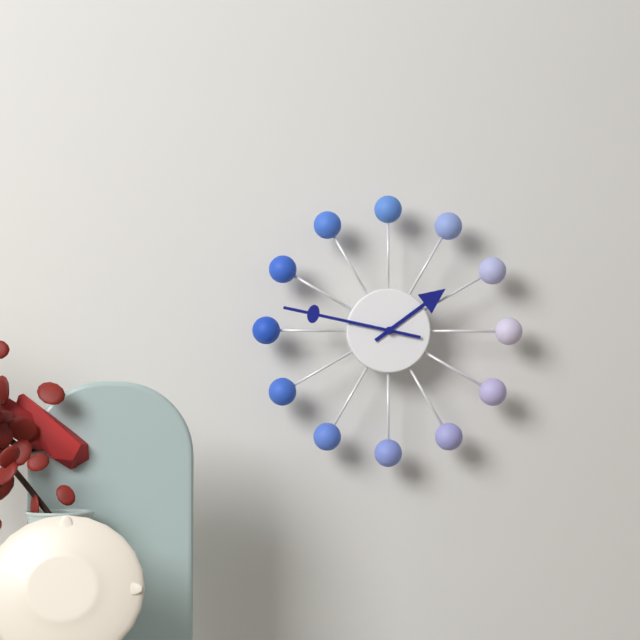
1:47
